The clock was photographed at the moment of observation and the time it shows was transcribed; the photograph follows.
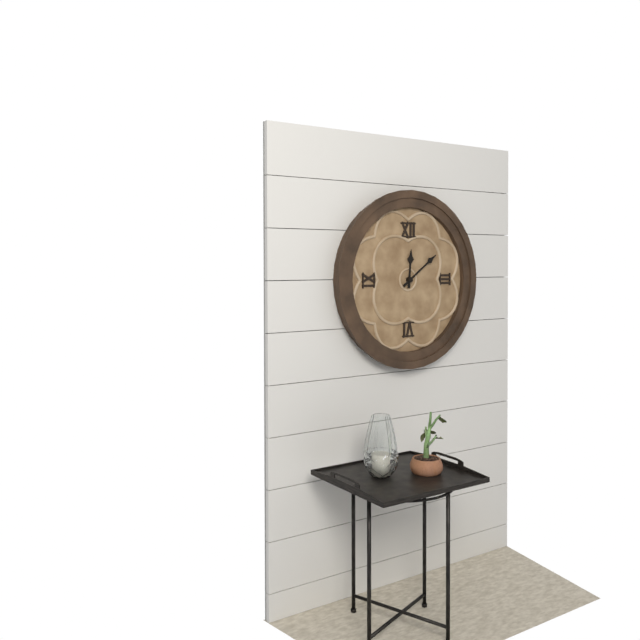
12:09
